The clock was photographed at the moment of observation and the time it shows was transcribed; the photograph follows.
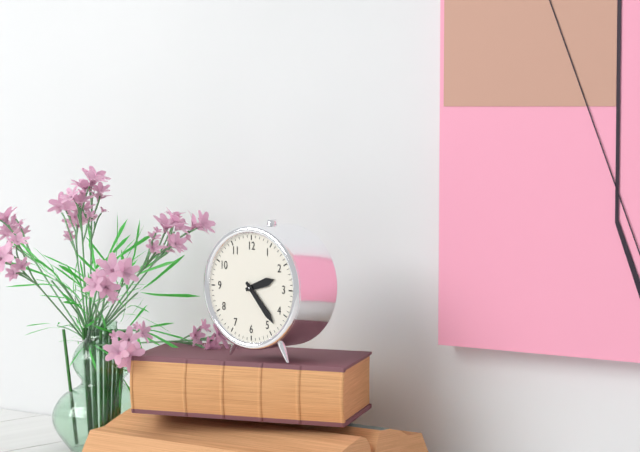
2:23
